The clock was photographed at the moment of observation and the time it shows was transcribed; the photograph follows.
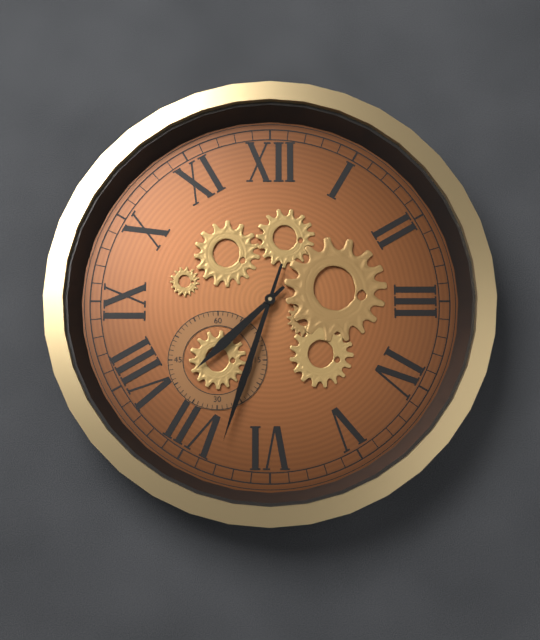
7:33
